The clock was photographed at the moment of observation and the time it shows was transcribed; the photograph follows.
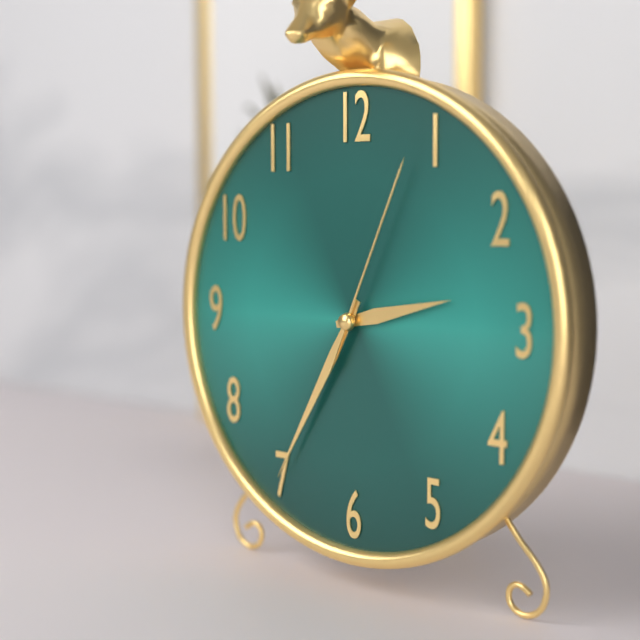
2:35:04
